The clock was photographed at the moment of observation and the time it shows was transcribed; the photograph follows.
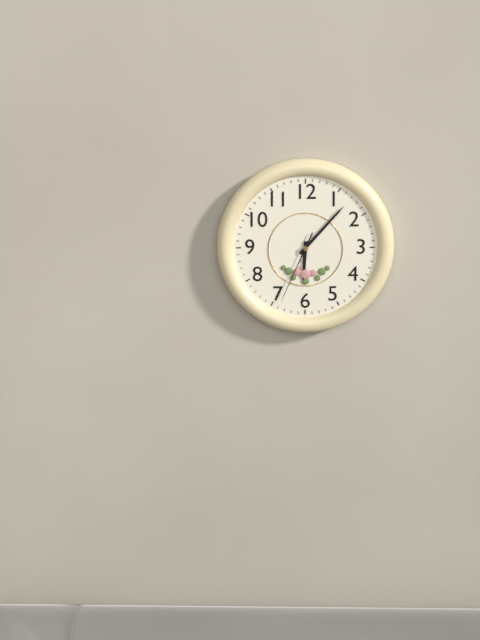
6:07:34
